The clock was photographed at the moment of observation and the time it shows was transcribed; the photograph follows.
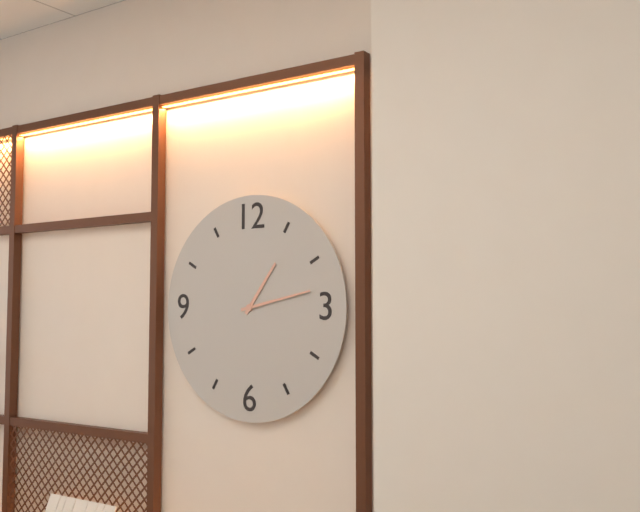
1:13
